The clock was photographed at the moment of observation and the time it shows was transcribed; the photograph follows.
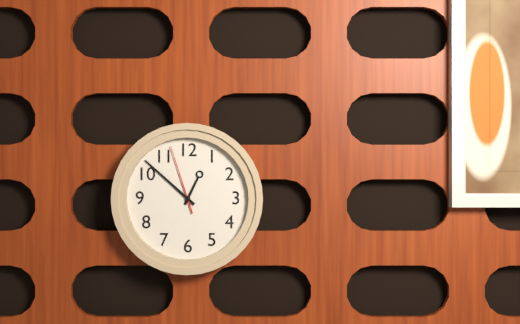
12:52:57
